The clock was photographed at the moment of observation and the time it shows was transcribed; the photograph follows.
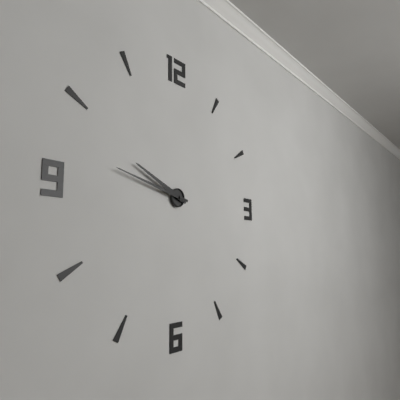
9:47
